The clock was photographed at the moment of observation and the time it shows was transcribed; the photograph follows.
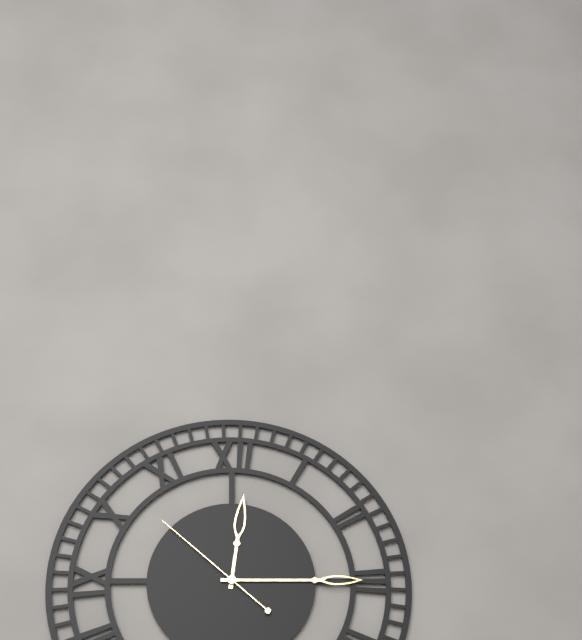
12:15:52
